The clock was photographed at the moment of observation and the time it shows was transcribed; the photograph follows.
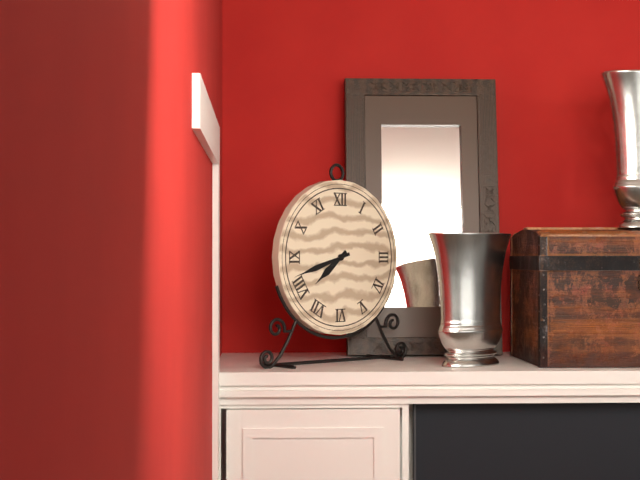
7:42
